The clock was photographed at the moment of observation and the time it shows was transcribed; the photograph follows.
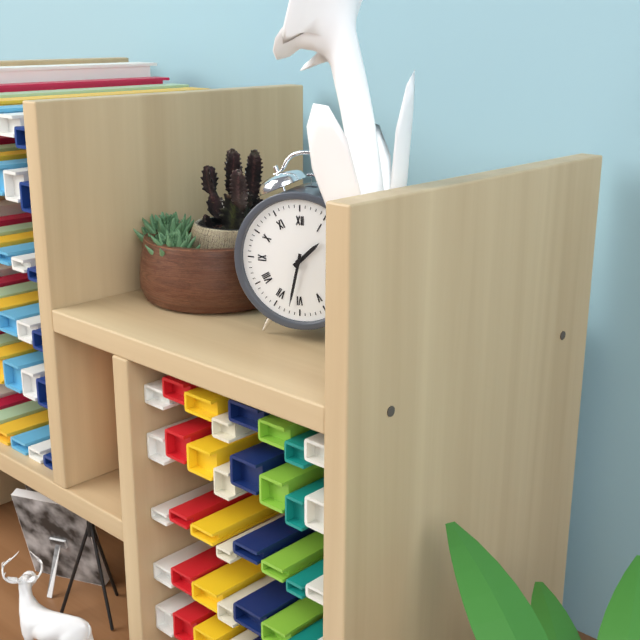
1:32
